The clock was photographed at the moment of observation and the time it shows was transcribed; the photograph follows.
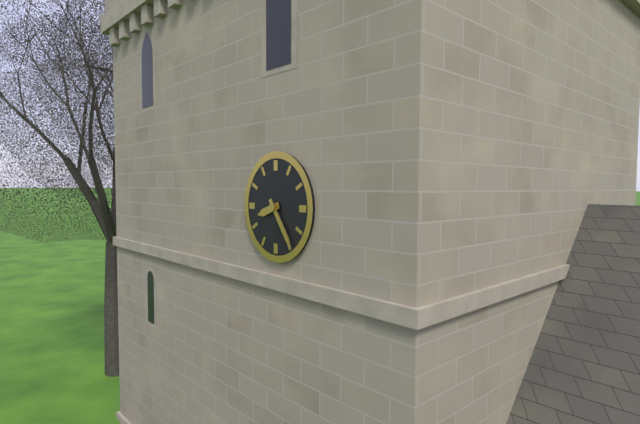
8:24
